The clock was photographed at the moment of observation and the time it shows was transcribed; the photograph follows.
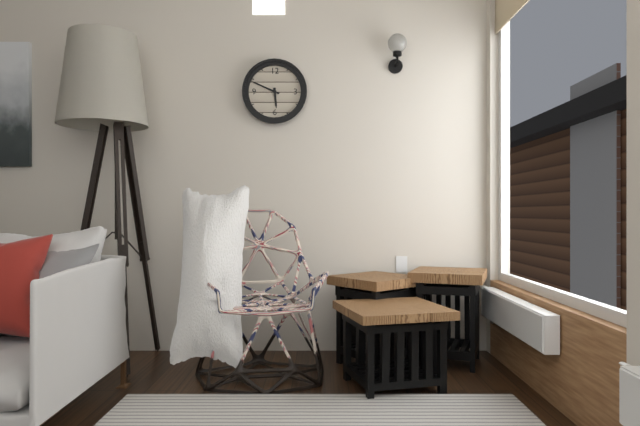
5:49
